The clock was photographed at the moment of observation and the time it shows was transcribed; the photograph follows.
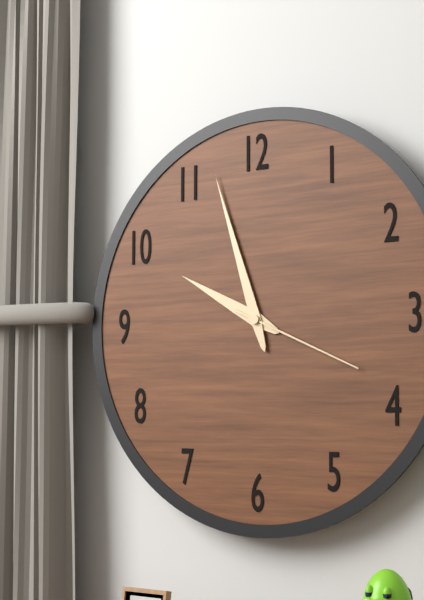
9:57:19
